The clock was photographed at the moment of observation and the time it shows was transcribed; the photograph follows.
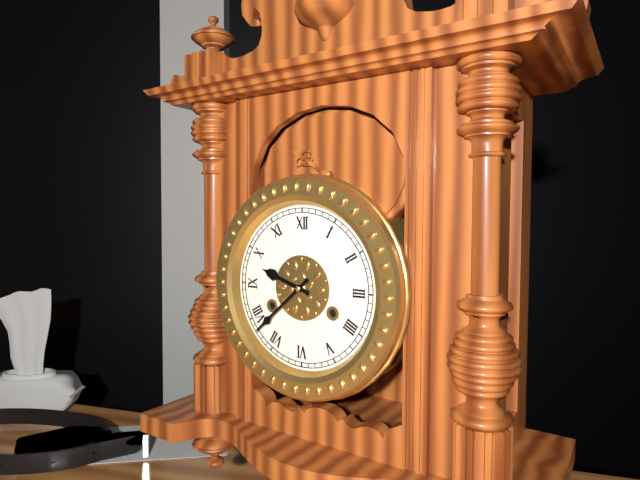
9:38
